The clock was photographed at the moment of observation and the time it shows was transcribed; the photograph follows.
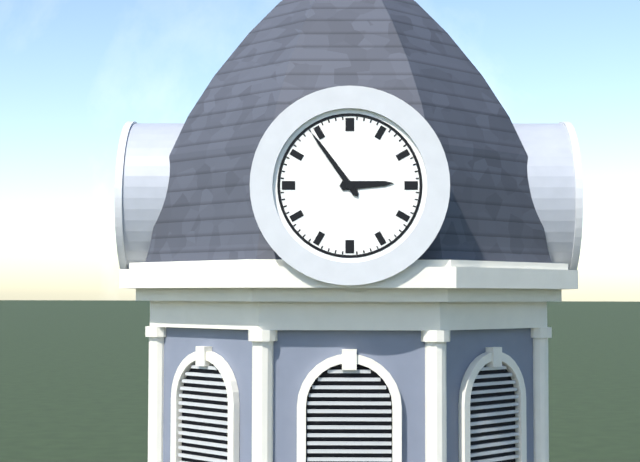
2:54
